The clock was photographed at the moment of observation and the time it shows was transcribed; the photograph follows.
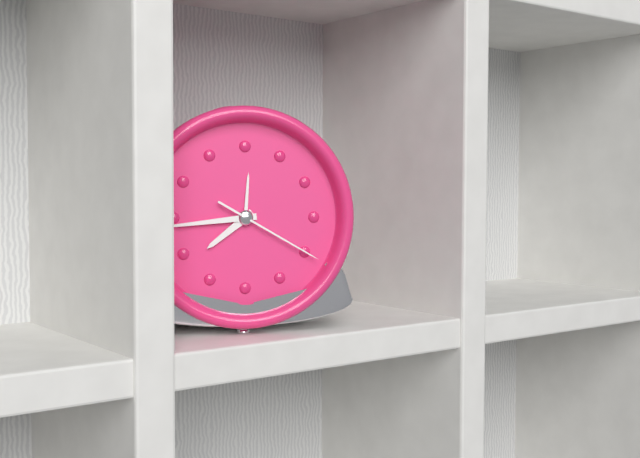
7:44:20
